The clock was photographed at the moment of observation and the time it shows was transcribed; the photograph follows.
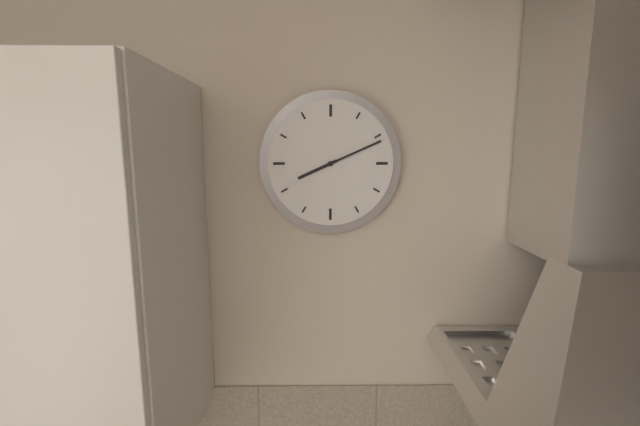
8:11
